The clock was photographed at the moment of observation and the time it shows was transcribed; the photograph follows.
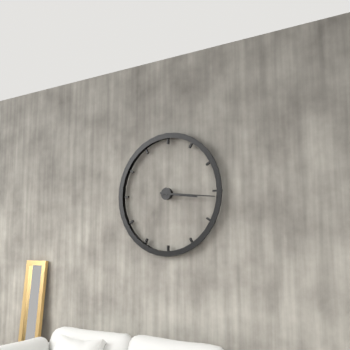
3:16
